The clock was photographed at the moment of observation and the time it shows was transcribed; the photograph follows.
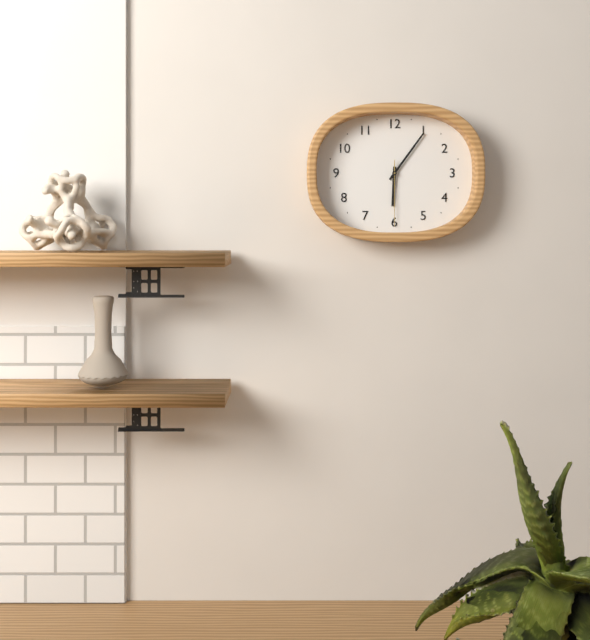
6:06:30
